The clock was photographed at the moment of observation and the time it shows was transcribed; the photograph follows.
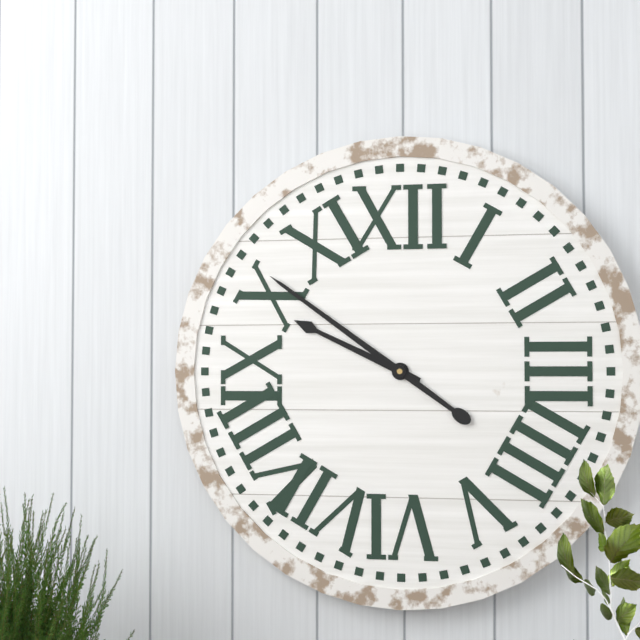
9:51
